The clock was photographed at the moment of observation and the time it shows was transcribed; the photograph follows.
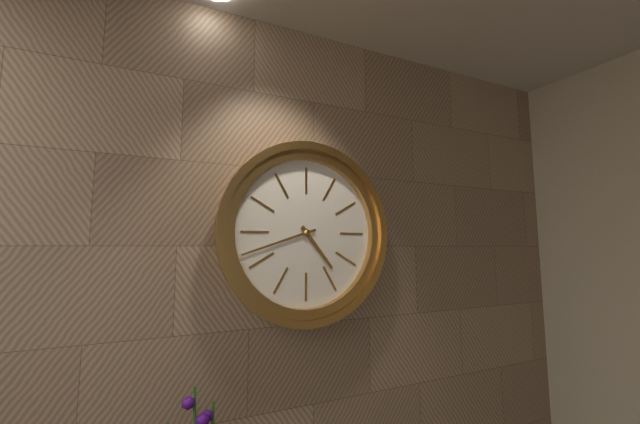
4:42
